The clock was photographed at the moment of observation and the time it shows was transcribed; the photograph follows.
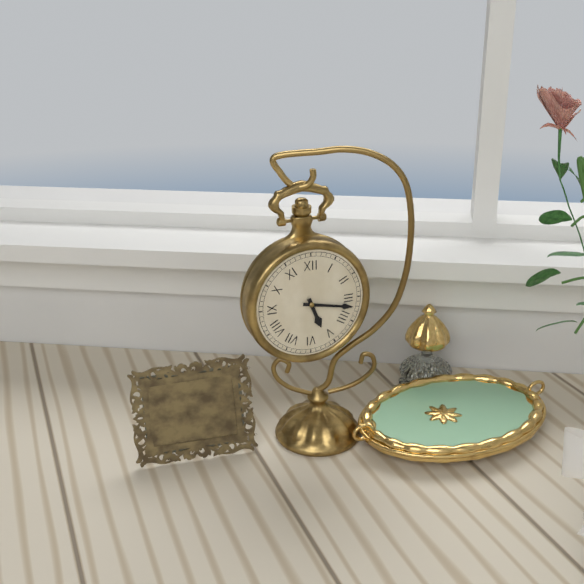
5:17
